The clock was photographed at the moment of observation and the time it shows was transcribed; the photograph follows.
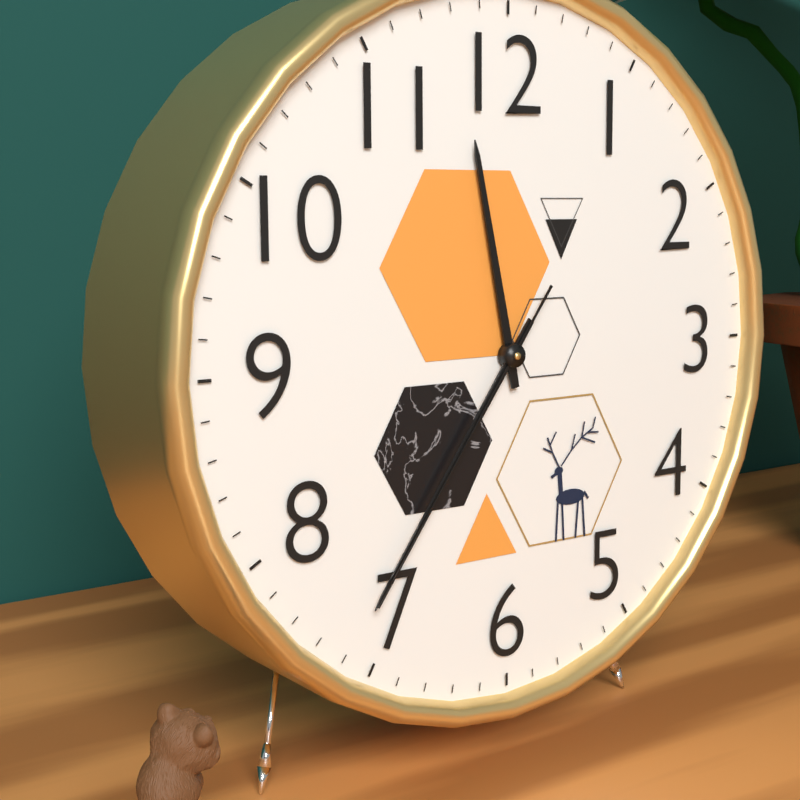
11:36:36
